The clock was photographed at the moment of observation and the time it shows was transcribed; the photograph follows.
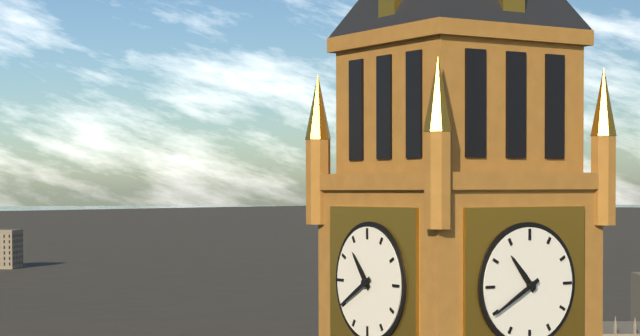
10:40
